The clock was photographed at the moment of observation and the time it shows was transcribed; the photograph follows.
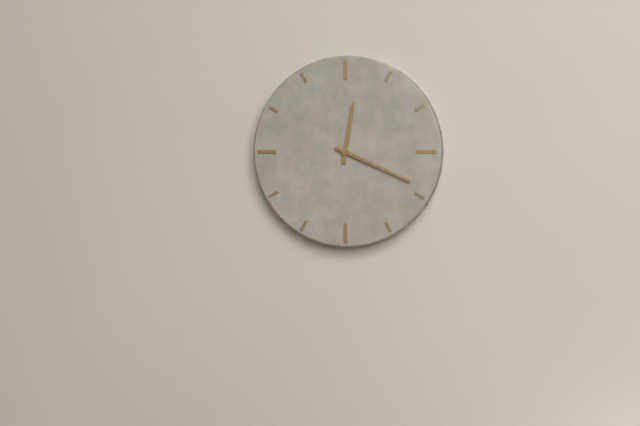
12:19
